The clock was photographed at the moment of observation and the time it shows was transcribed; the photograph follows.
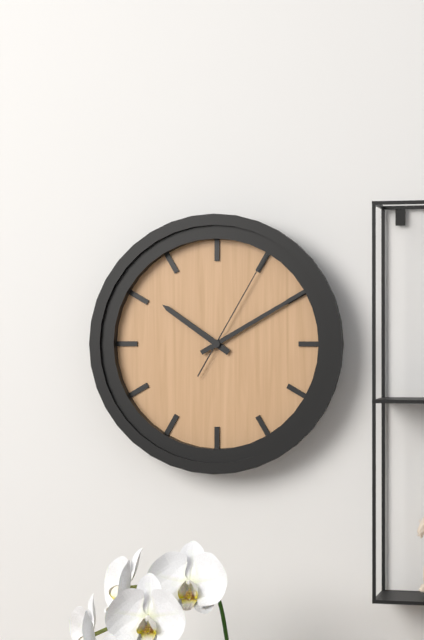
10:10:05
